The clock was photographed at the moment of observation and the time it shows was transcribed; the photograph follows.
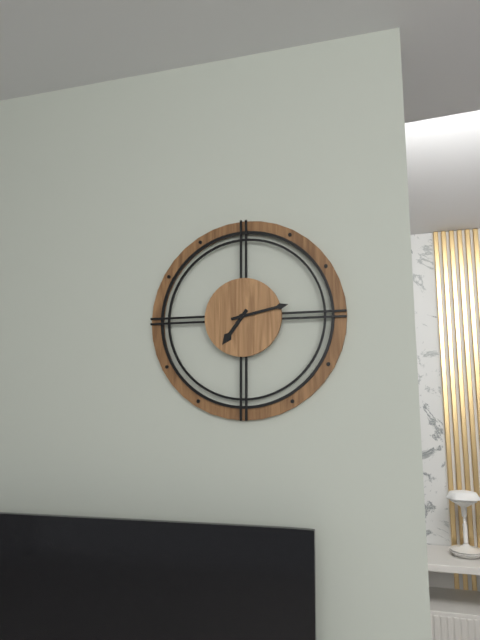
7:13
